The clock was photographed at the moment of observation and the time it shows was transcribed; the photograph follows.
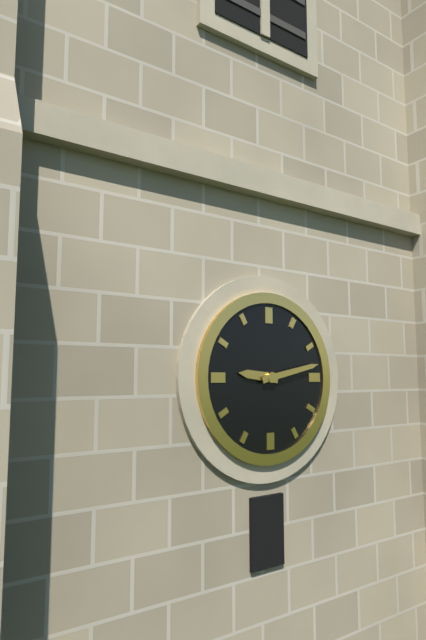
9:13
